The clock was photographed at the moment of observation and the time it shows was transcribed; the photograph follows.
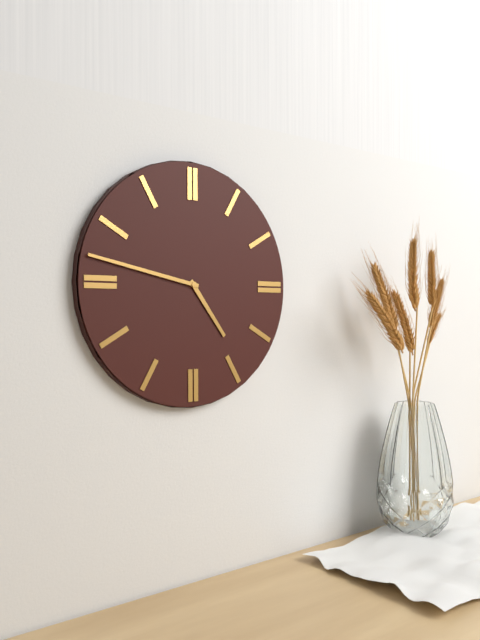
4:47
